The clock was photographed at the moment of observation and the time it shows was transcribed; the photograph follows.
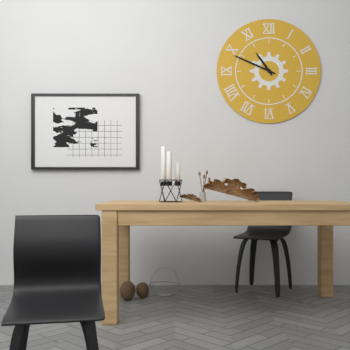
10:49
